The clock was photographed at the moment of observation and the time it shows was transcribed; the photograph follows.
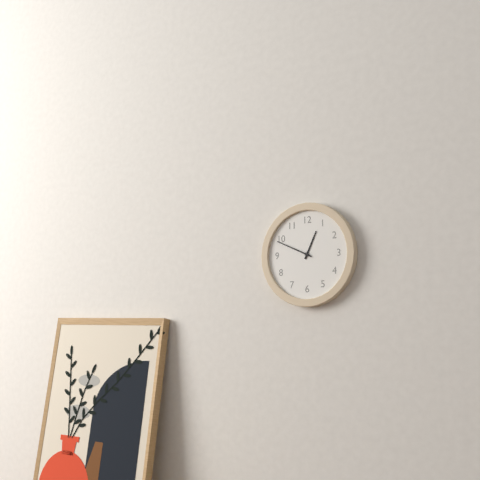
12:49
